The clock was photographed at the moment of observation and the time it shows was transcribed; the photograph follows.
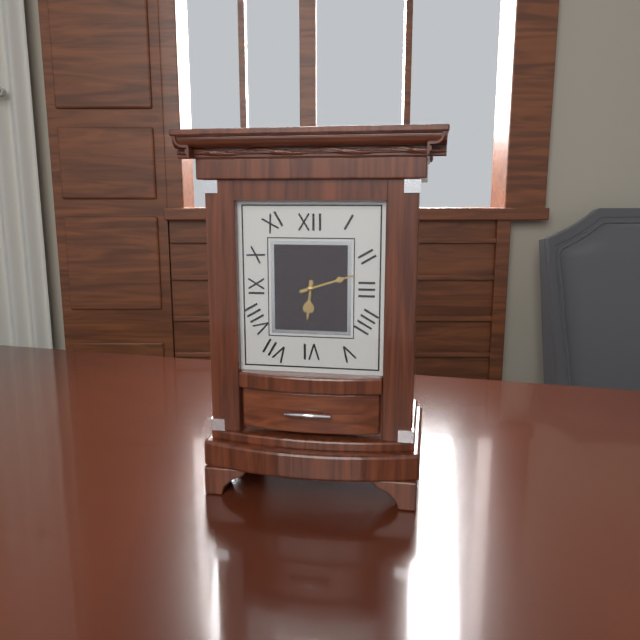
6:12
